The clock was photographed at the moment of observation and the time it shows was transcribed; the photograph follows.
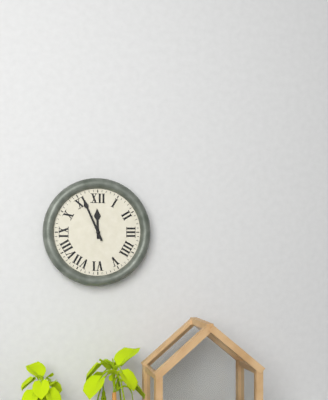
11:56
